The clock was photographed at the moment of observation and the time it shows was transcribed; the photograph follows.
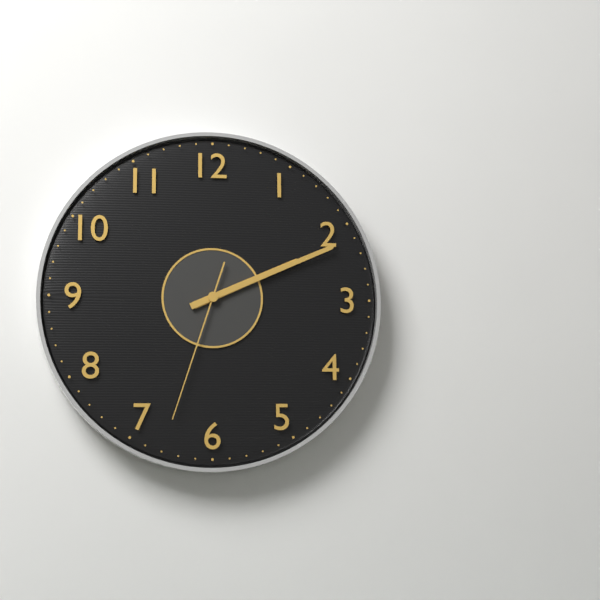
2:11:33
